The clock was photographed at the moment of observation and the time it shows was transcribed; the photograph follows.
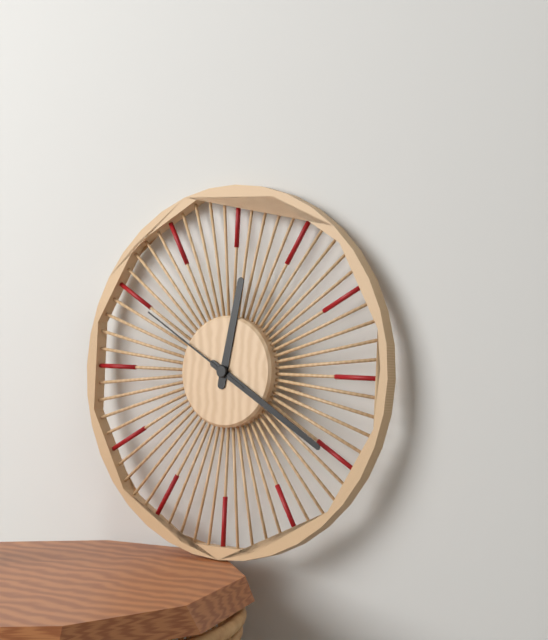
12:20:50
